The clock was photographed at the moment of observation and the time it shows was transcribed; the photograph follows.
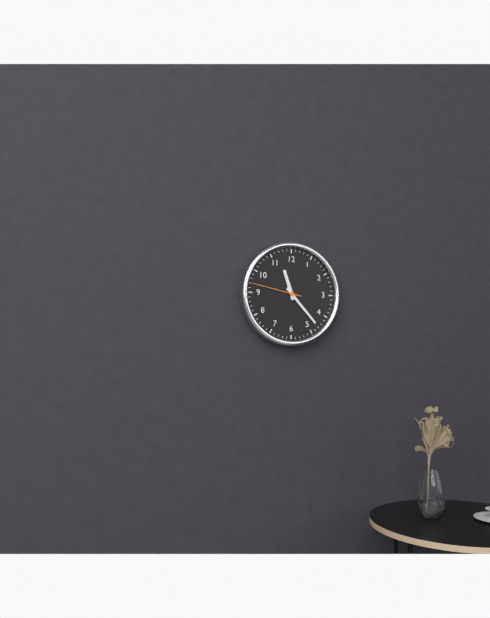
11:23:47
